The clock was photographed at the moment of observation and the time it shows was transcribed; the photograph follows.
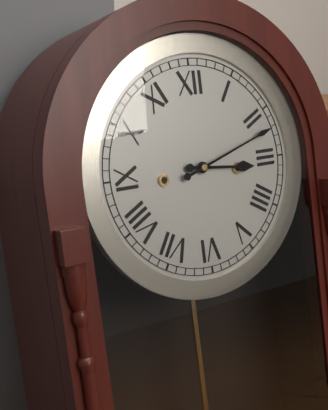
3:12
